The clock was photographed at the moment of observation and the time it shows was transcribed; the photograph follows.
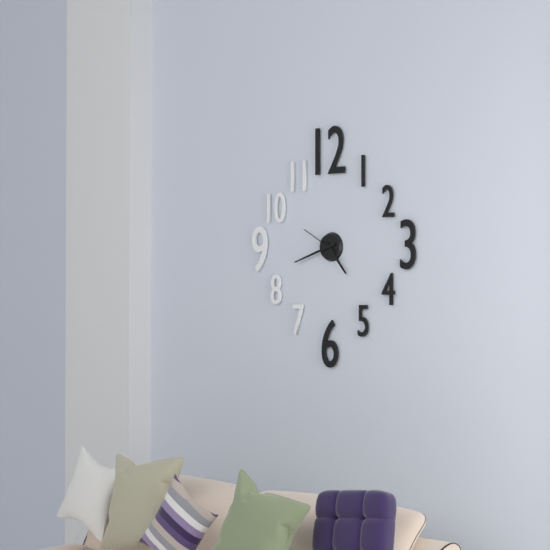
4:42
